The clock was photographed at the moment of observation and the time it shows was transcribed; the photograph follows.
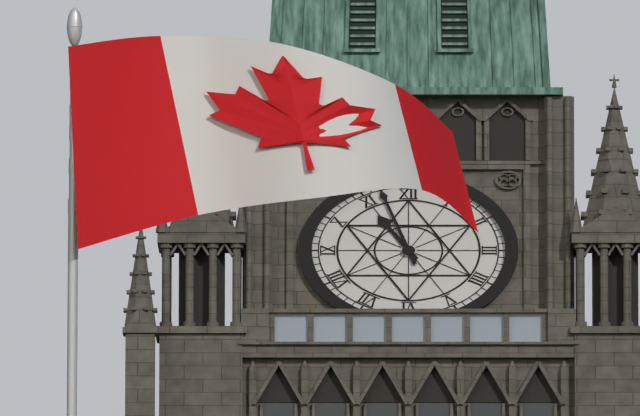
10:57
